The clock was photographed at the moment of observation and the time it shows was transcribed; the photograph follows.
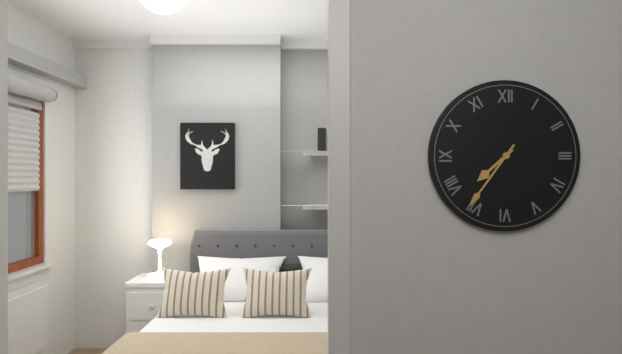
7:36
